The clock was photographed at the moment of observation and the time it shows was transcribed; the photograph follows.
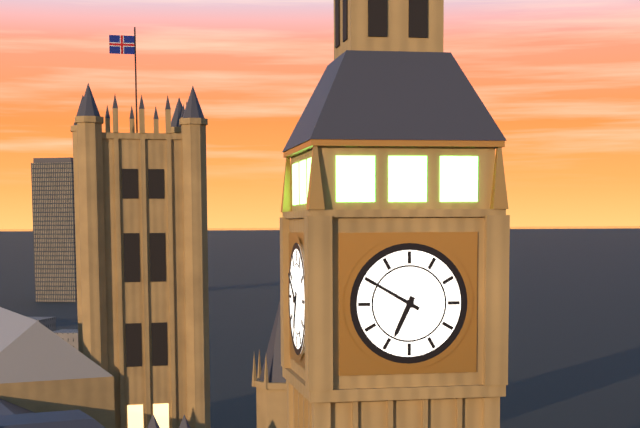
6:50
